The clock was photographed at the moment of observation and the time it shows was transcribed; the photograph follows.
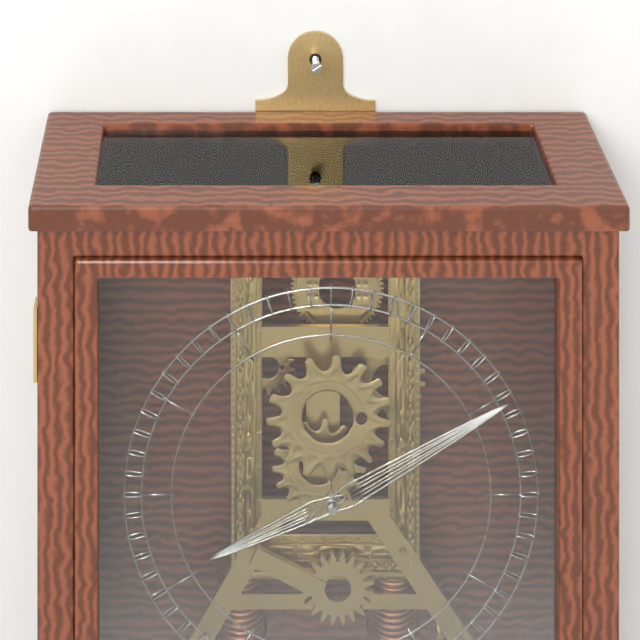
8:10
